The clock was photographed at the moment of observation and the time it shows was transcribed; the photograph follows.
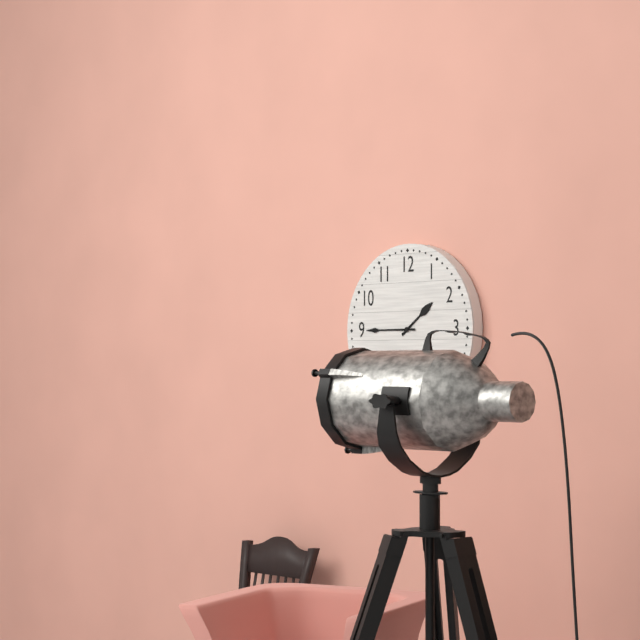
1:45
